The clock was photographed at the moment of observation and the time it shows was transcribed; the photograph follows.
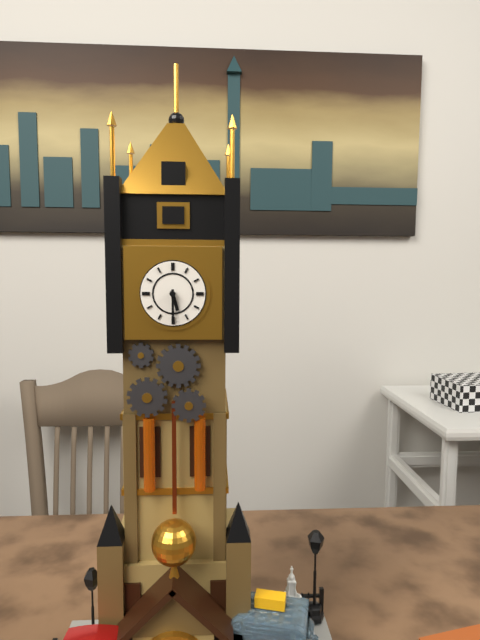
5:30
